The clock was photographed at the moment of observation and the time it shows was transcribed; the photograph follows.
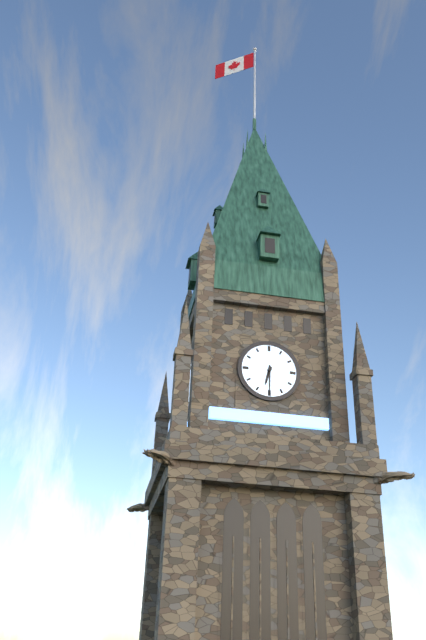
6:30
